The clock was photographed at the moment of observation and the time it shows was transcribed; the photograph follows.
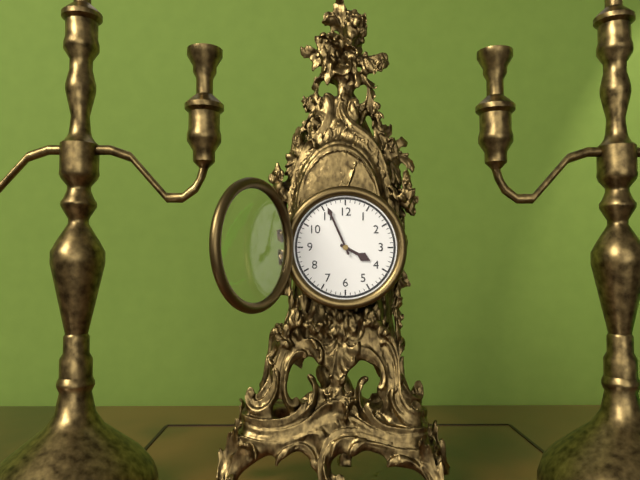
3:56
